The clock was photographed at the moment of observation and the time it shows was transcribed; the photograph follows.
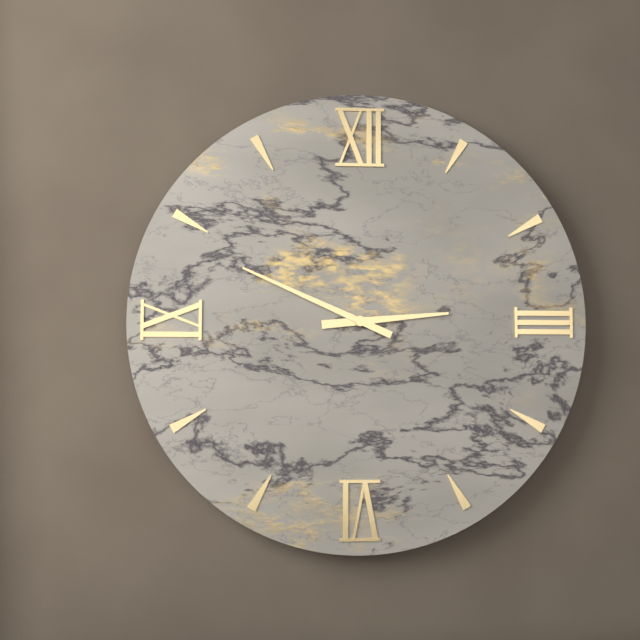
2:49
